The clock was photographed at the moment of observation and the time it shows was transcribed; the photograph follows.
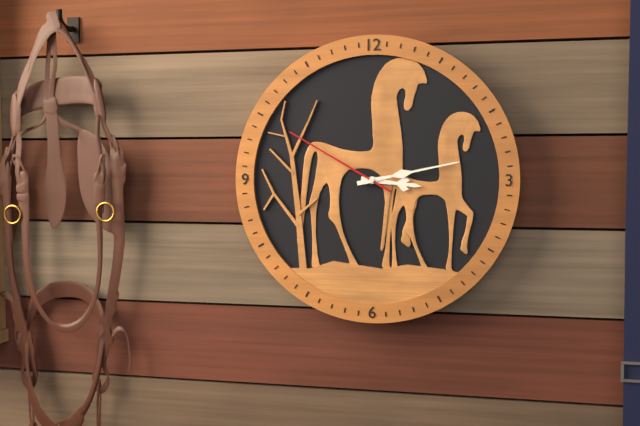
3:13:50
